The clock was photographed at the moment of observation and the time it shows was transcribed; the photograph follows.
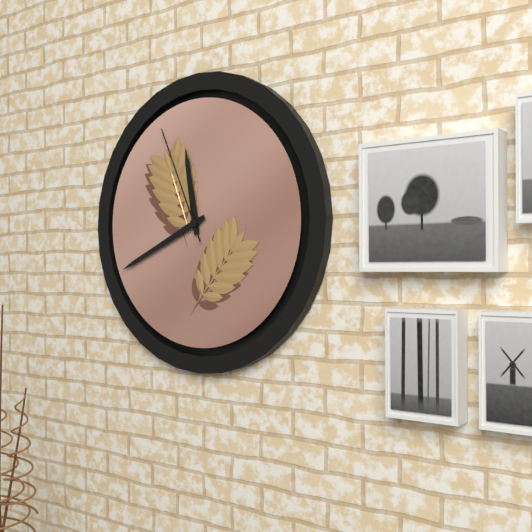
11:41:56
